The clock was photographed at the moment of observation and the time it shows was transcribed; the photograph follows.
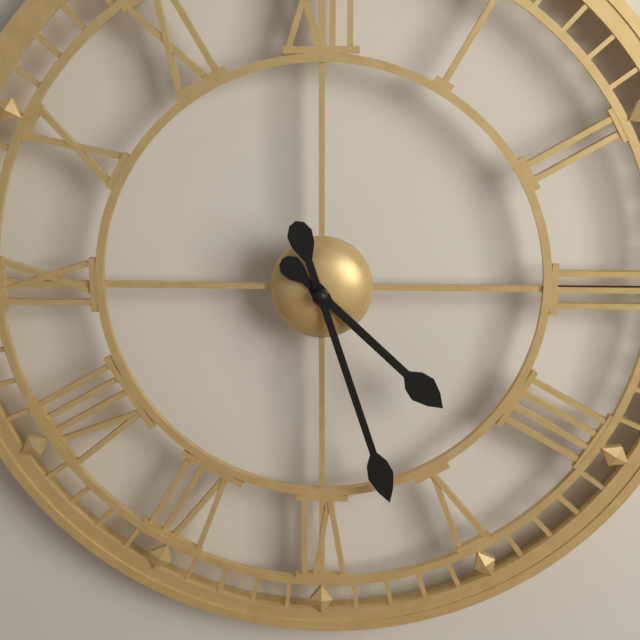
4:27
